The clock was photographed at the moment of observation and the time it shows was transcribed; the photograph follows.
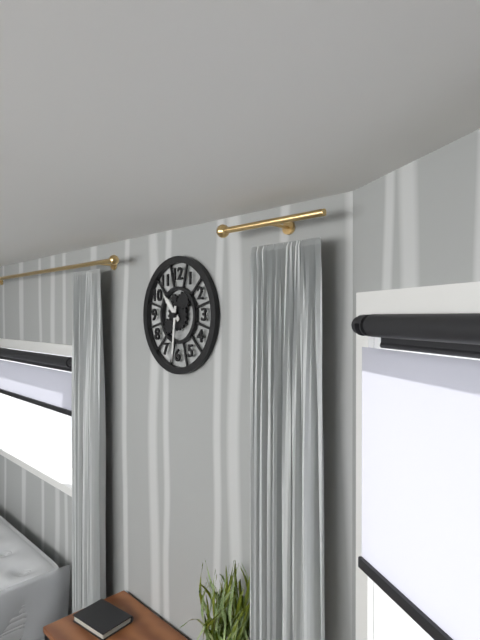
10:31
